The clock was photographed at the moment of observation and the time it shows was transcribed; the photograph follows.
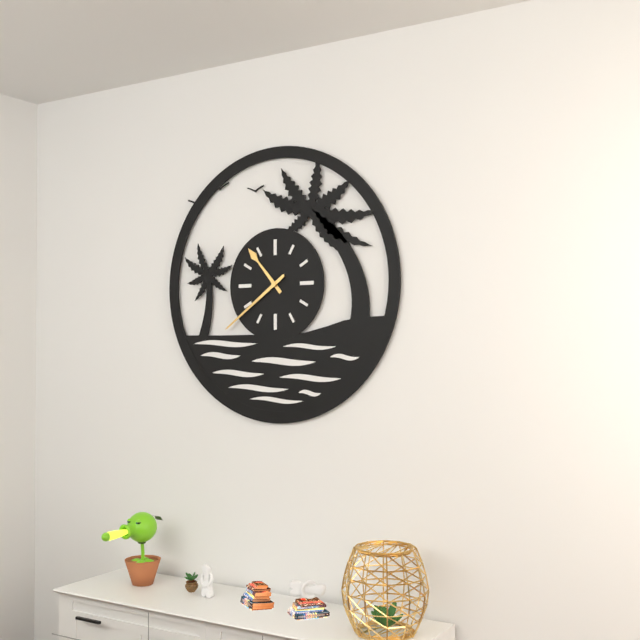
10:39
